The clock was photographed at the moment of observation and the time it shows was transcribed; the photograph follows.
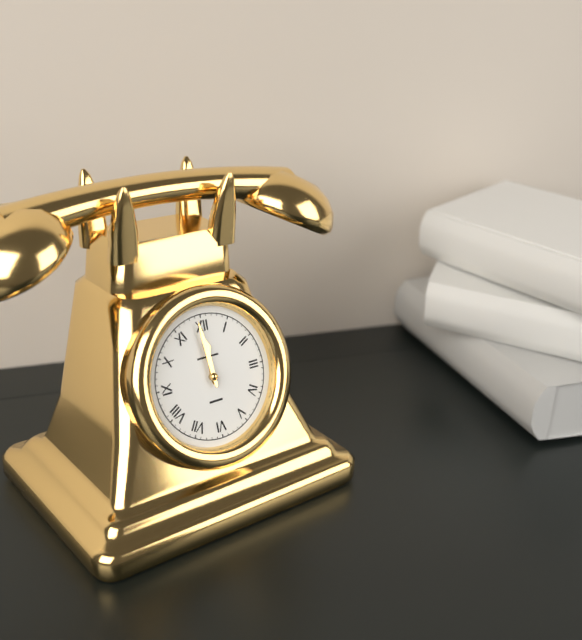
11:59
